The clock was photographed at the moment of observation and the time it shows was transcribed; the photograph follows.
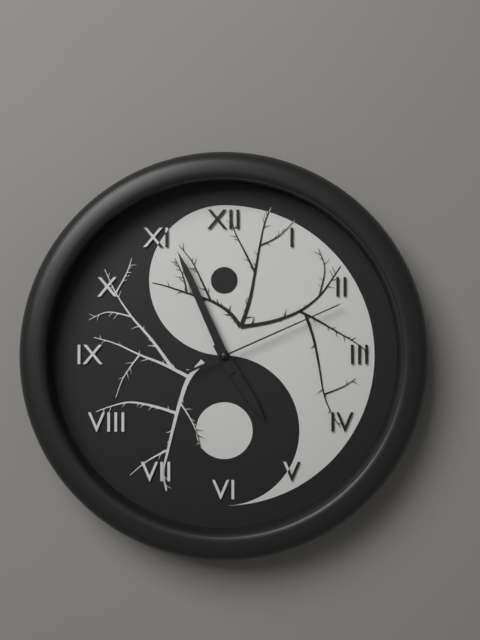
4:56:11
